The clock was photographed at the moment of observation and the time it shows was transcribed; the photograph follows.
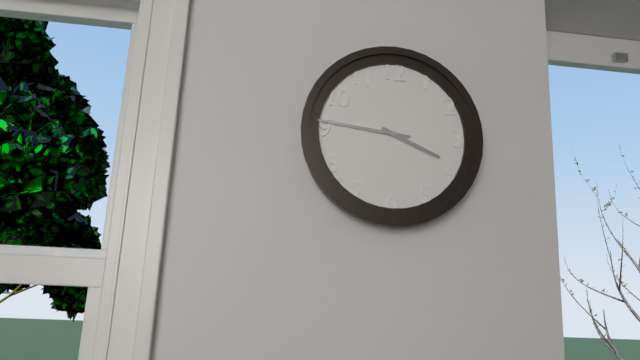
3:46
